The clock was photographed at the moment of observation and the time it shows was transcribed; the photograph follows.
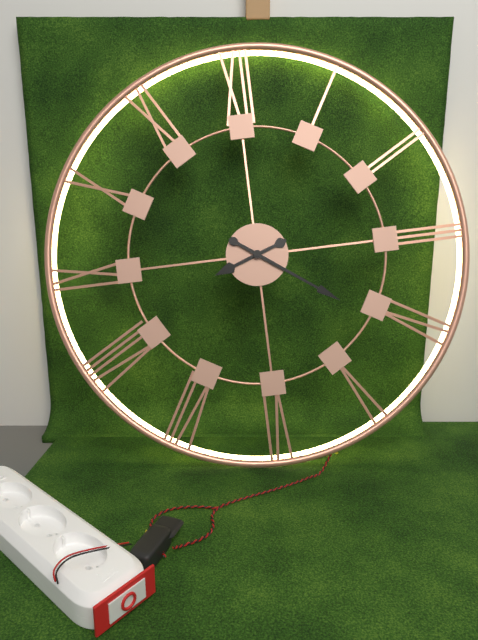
8:21
